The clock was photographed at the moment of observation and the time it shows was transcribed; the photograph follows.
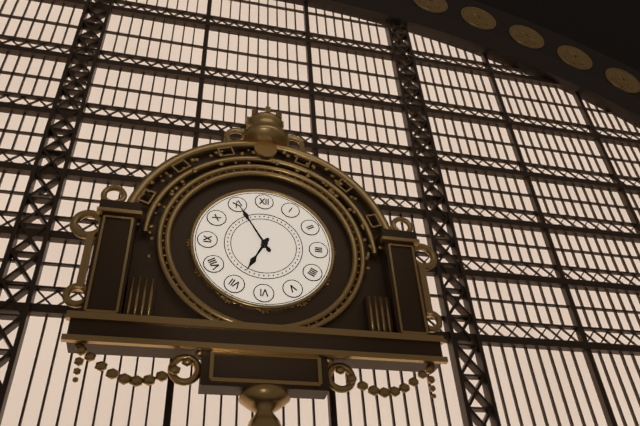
6:55
